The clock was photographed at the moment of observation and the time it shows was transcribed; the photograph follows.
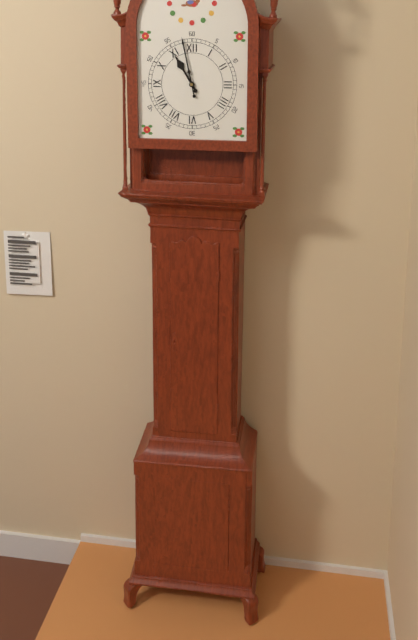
10:58
